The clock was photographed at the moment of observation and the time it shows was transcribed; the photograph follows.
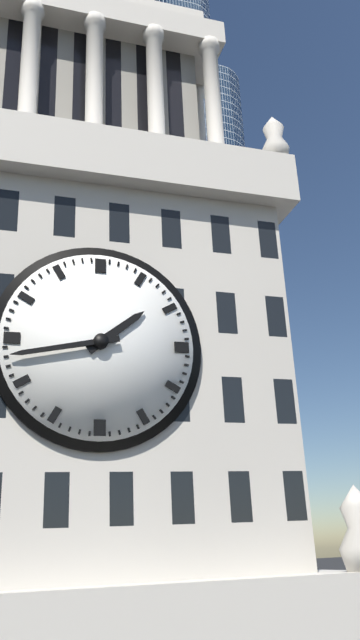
1:43
